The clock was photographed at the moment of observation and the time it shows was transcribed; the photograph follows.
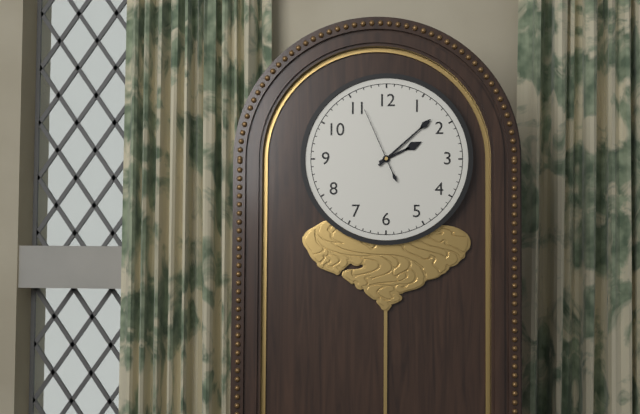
2:08:56
